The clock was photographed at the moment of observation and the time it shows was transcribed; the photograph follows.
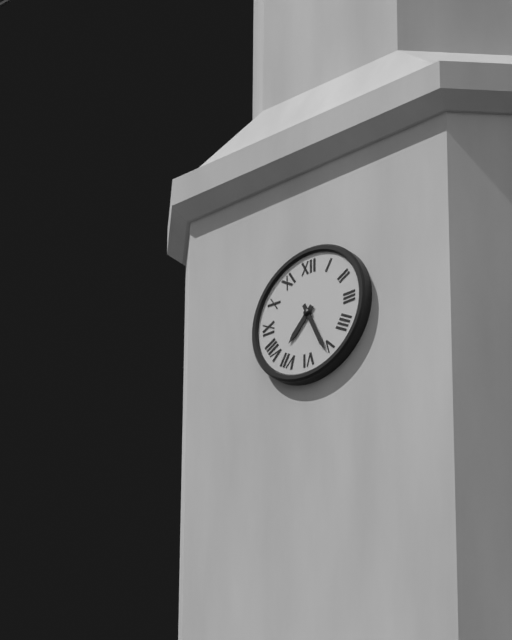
7:26
